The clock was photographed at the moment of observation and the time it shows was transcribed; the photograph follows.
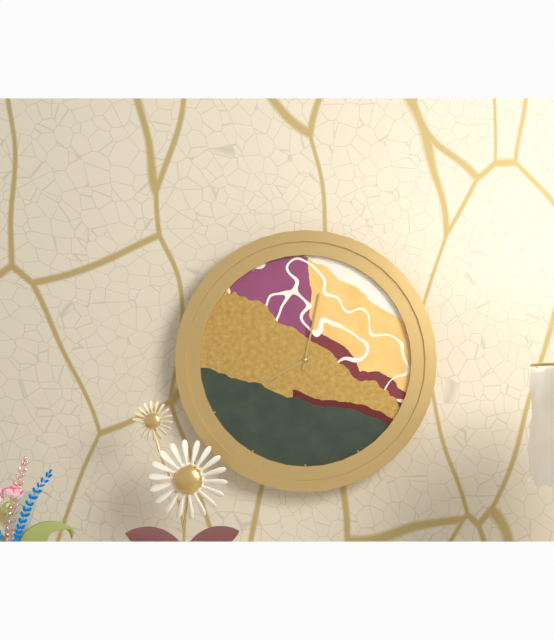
8:02
